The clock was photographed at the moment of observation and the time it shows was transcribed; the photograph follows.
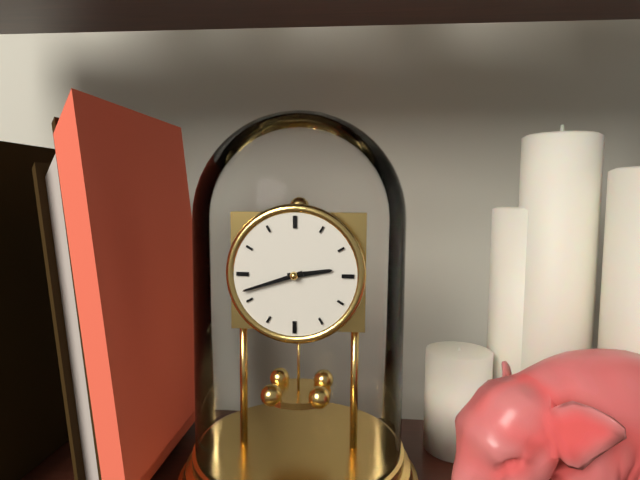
2:42
